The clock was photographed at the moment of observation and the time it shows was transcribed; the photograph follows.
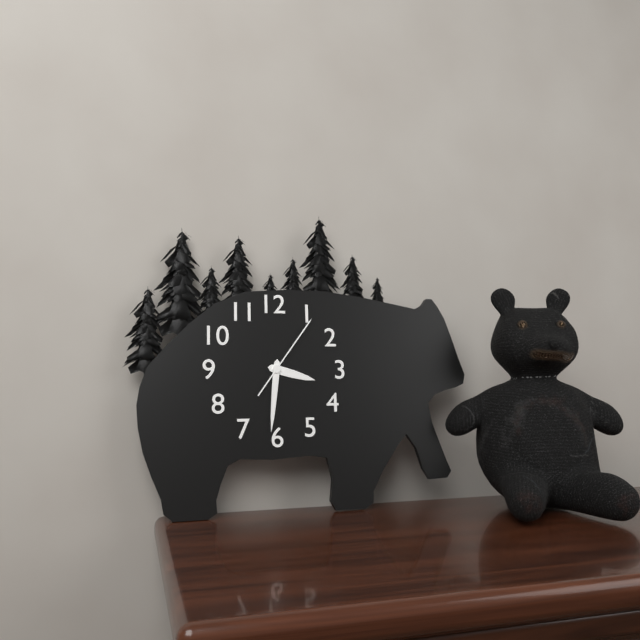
3:31:06
